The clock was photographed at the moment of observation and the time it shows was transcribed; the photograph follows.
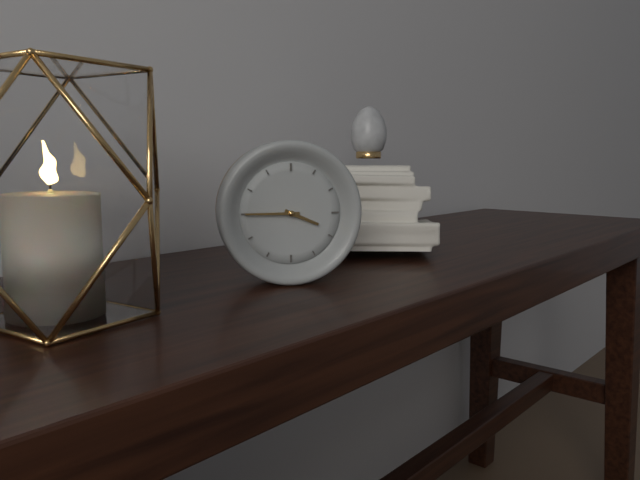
3:45
